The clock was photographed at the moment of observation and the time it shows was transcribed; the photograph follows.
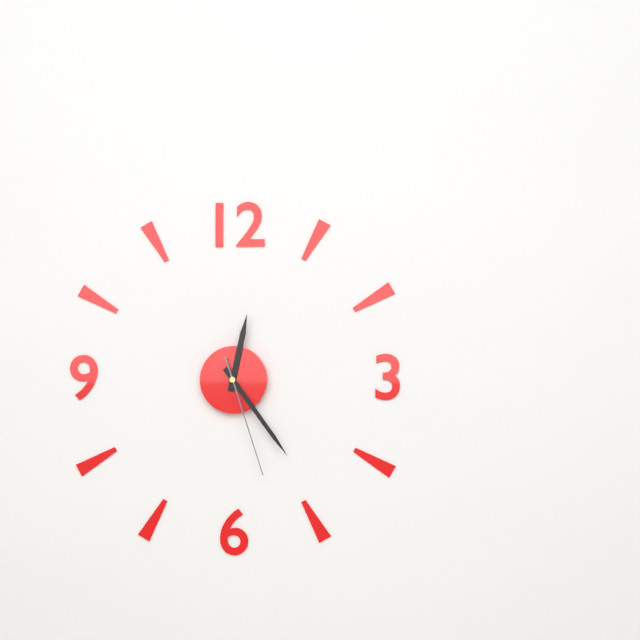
12:24:27
